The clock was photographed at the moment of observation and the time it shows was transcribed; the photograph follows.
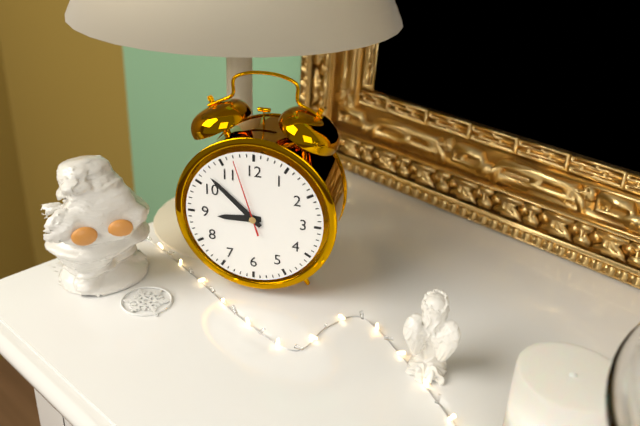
8:52:57
